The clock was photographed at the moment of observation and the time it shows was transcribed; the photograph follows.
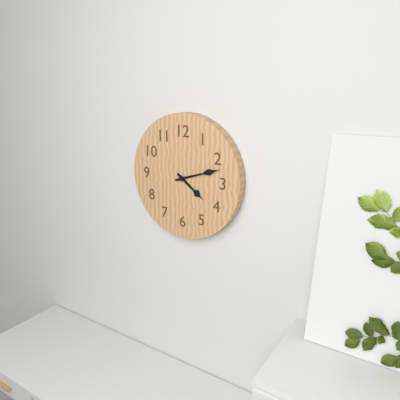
4:12
